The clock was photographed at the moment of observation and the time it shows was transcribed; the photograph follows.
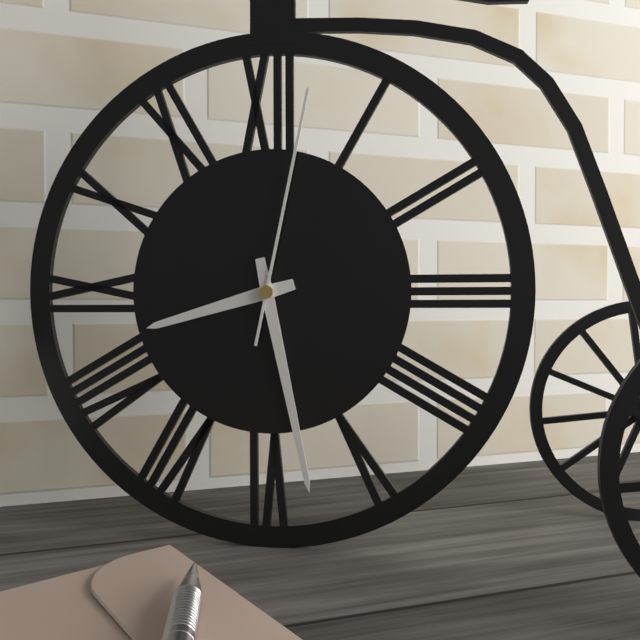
8:28:02
